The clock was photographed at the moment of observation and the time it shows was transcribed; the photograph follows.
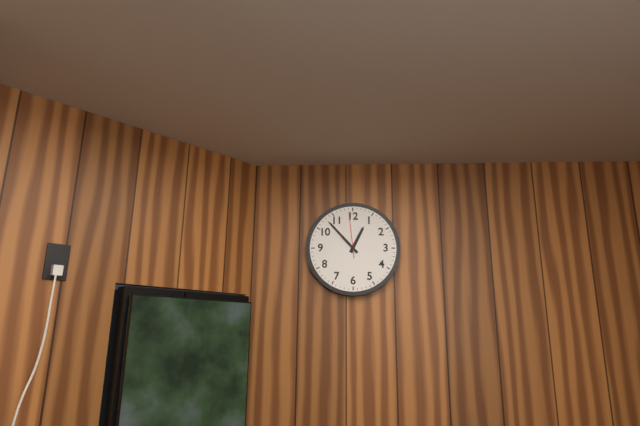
12:53
